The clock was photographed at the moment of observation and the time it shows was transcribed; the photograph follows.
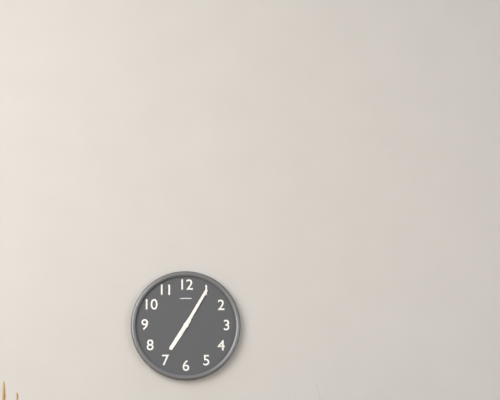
7:05
